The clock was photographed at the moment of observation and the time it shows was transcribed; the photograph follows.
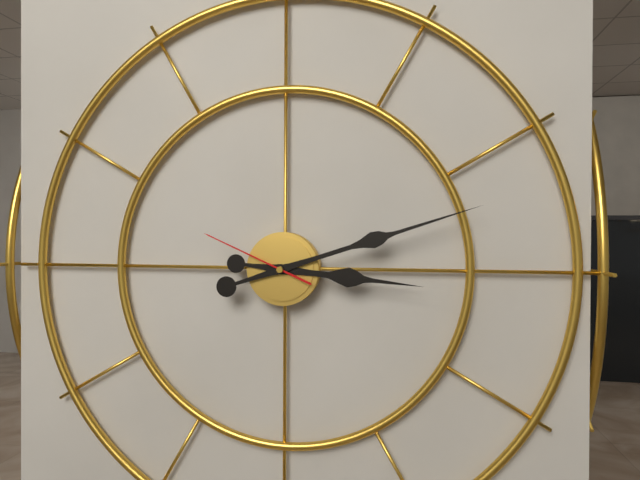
3:12:49
